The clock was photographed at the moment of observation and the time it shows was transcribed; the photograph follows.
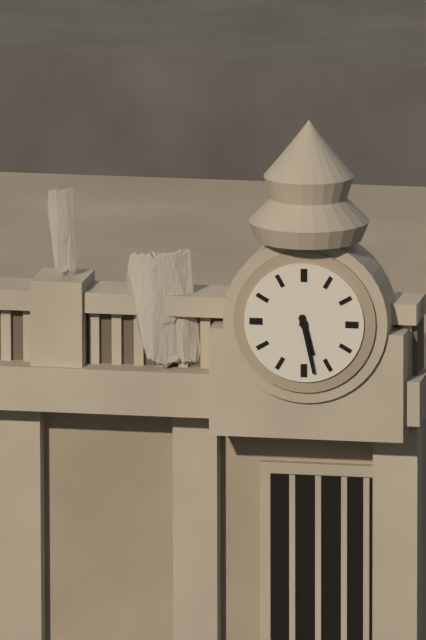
5:28
